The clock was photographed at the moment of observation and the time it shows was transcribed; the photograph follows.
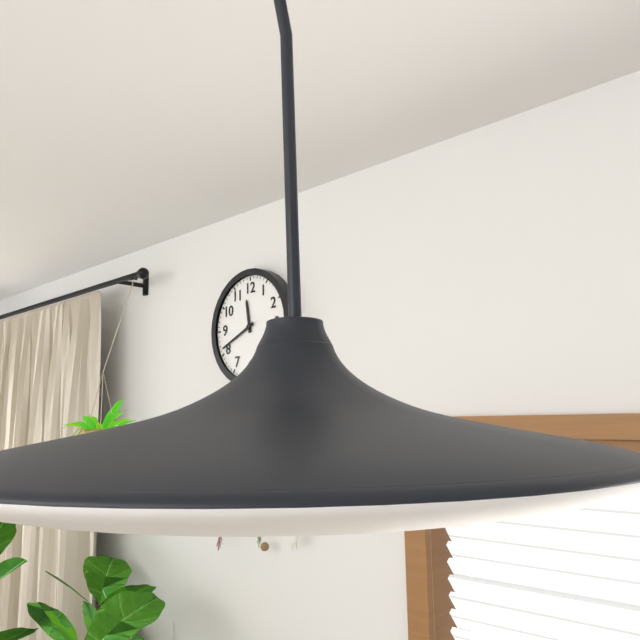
11:41
